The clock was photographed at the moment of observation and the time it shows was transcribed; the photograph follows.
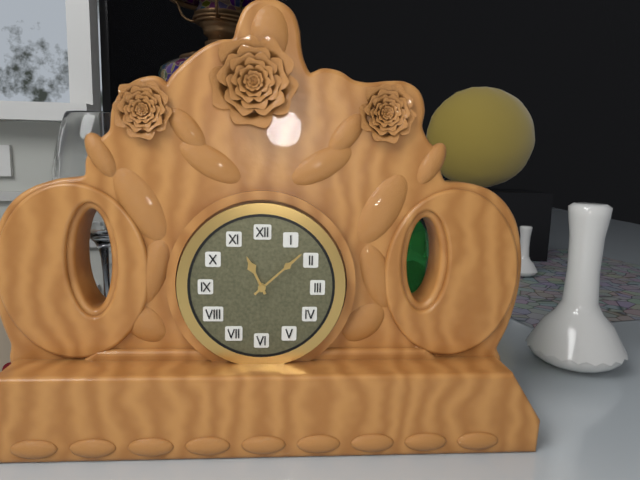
11:08
